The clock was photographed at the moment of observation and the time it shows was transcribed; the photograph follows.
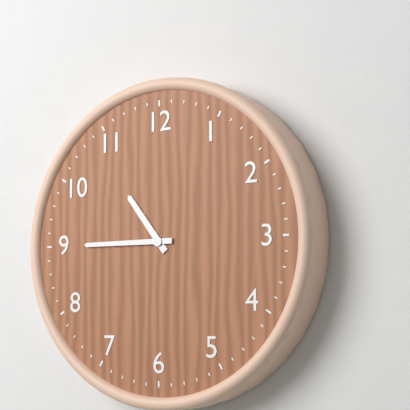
10:45
